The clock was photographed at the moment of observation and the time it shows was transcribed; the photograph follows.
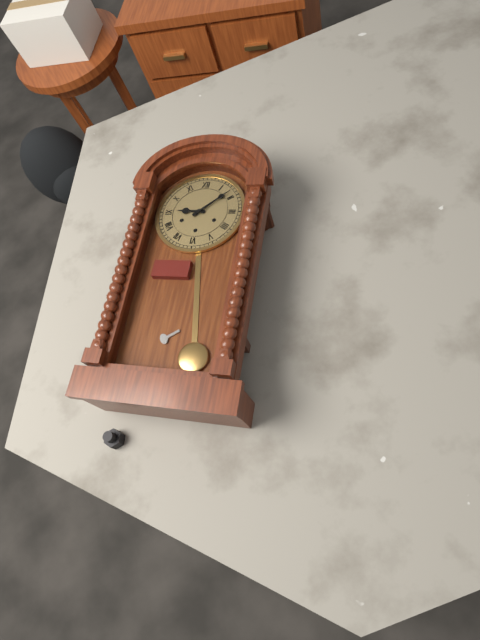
9:08
